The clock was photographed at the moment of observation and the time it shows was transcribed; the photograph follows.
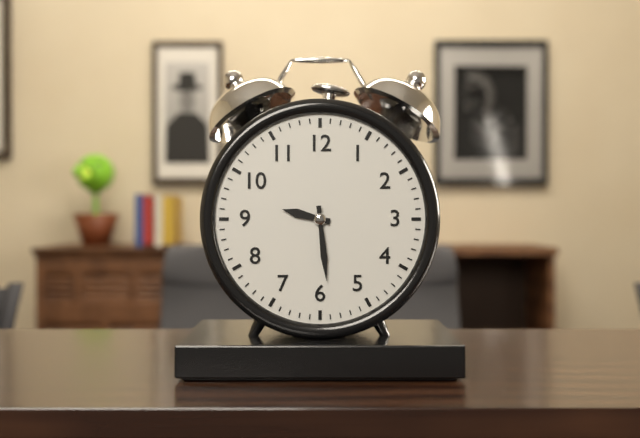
9:29
